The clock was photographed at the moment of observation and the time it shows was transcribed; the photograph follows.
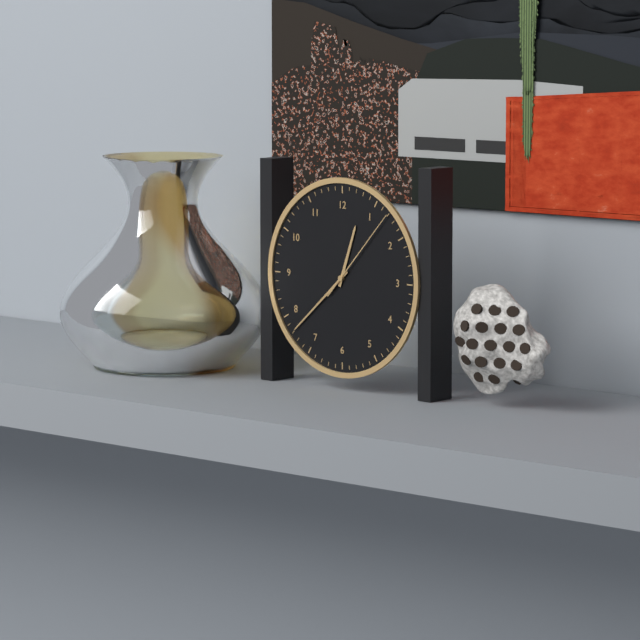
12:38:07
